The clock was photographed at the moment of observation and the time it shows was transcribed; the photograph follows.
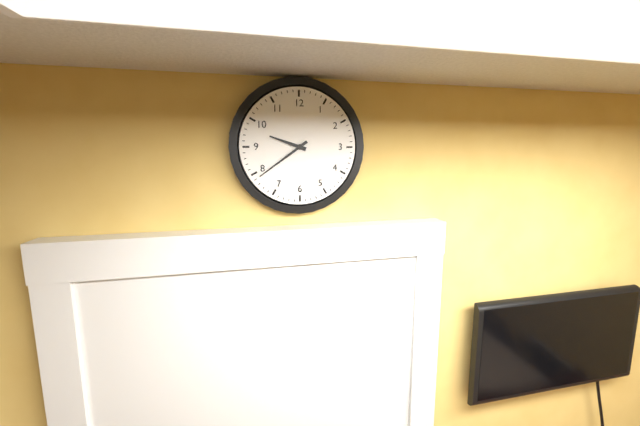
9:39
